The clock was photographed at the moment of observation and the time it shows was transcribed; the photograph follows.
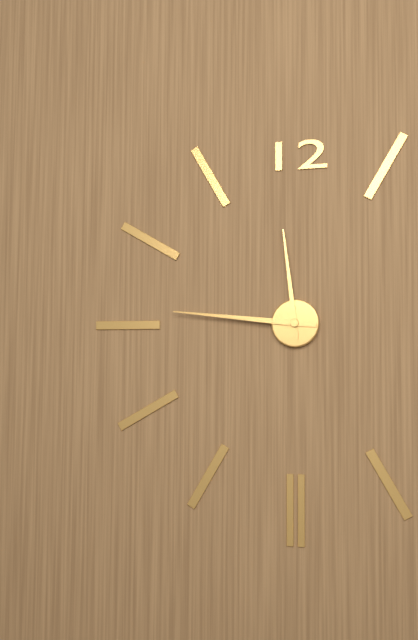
11:46
